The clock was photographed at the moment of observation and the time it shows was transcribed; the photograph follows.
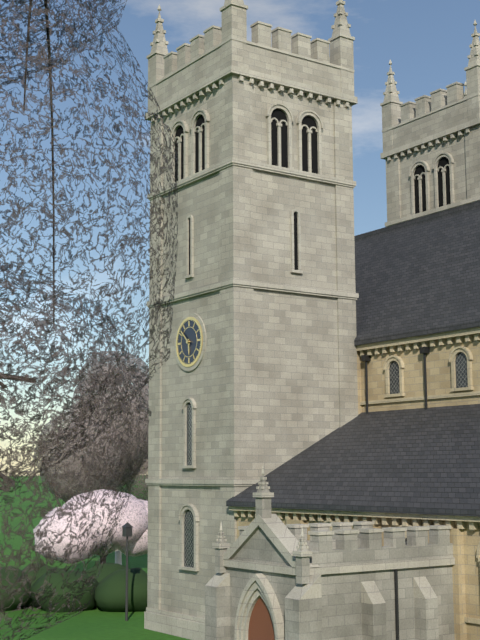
5:52
